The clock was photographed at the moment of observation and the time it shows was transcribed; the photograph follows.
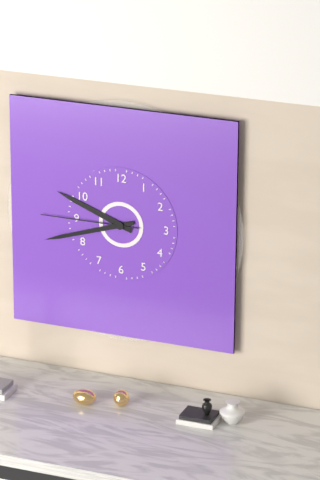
9:42:45
